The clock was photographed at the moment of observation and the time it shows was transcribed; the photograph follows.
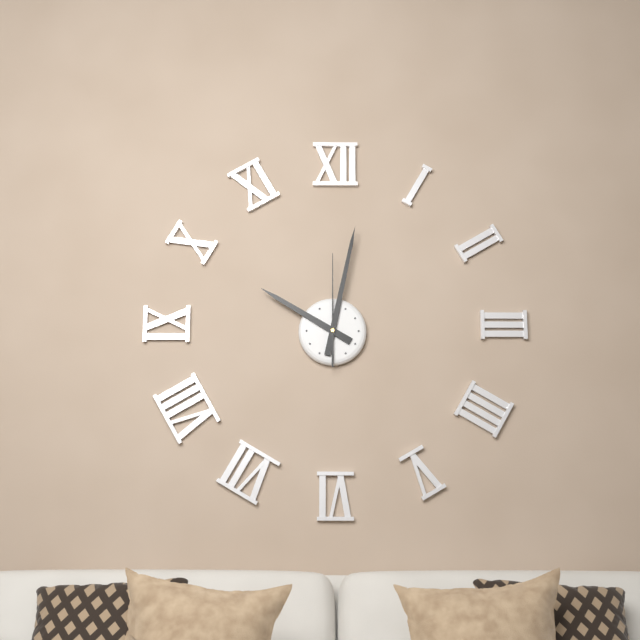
10:02:00
